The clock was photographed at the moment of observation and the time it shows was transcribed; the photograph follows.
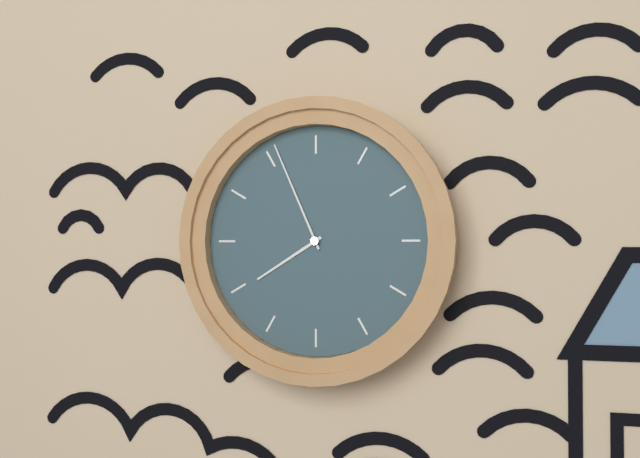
7:56
